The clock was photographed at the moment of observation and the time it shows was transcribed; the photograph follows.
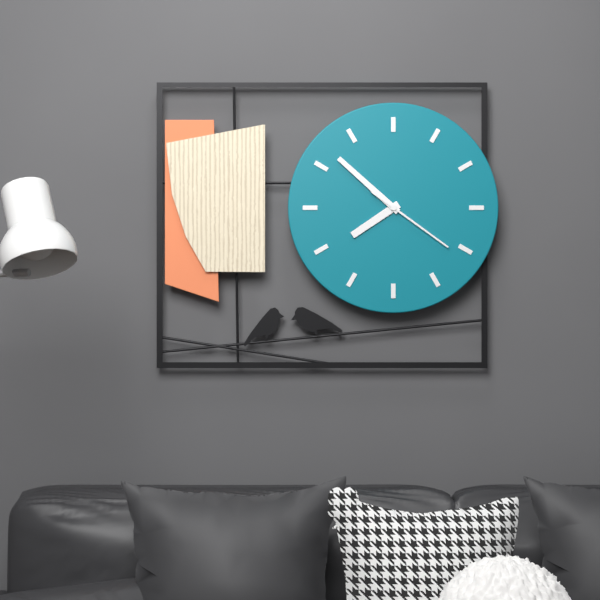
7:52:21
